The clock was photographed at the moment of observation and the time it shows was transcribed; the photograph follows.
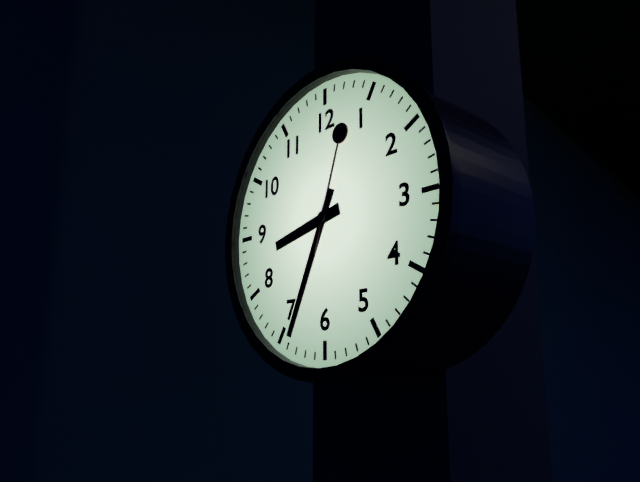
8:34:03
